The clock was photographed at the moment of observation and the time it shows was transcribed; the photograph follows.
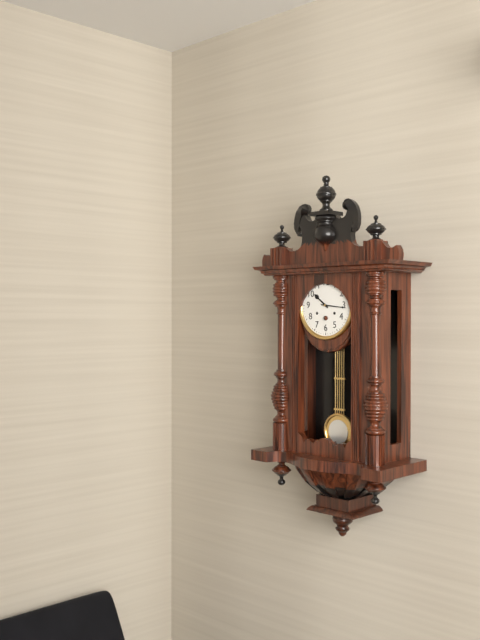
10:16
